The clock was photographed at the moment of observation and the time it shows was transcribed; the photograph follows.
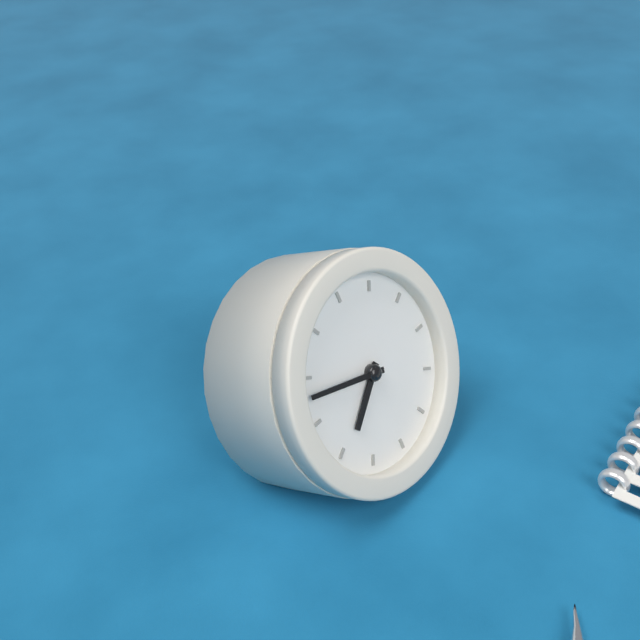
7:48
